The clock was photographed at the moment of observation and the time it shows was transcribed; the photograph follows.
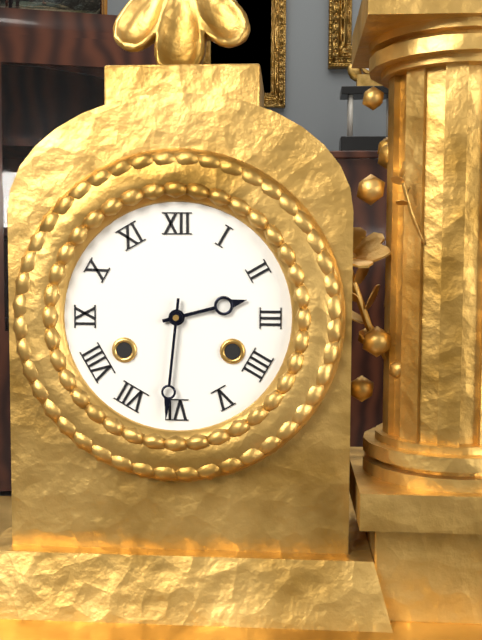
2:31
